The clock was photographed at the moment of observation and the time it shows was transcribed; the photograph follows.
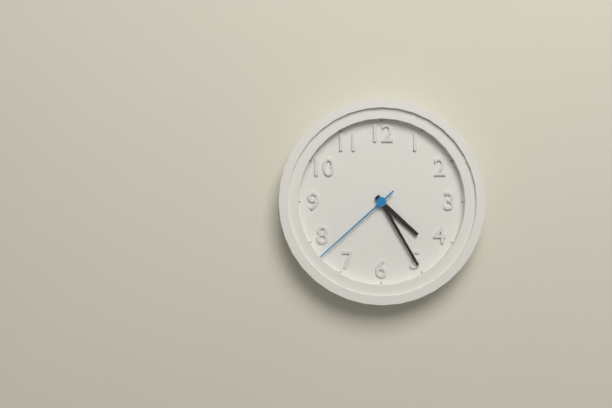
4:25:38
